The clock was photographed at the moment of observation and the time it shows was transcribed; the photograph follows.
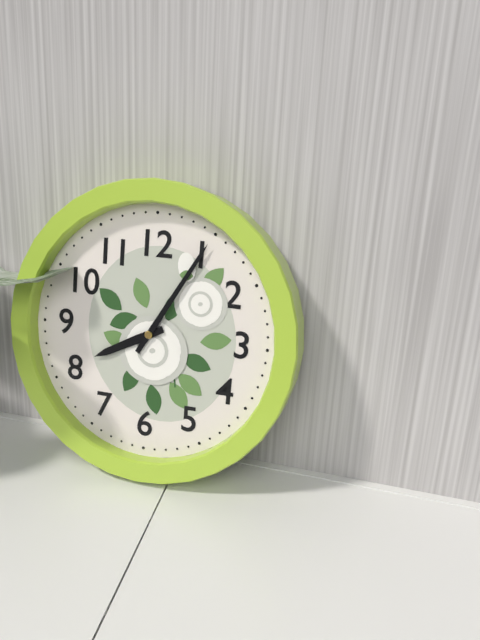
8:05
